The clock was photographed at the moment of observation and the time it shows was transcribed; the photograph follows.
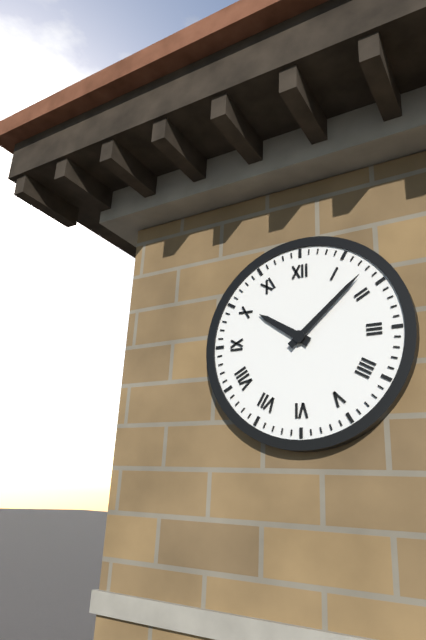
10:08
